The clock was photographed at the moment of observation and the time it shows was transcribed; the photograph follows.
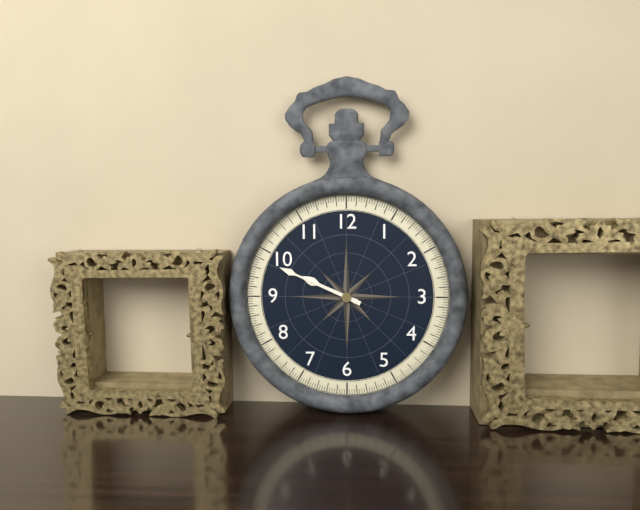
9:49
